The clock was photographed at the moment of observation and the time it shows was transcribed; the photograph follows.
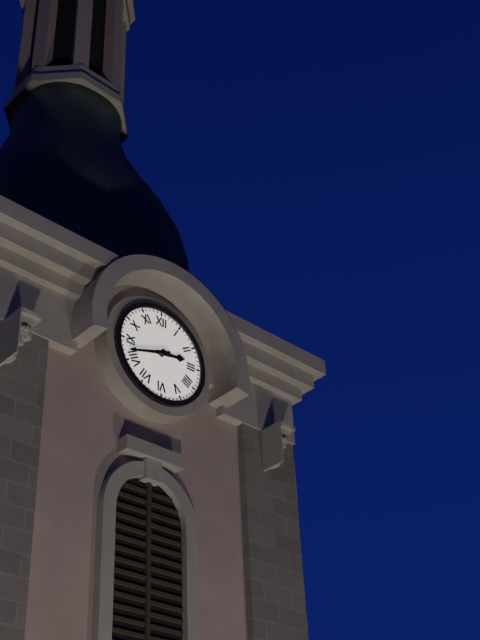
2:42
